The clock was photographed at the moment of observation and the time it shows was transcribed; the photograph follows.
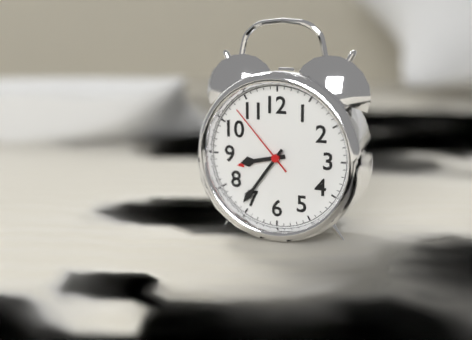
8:36:53
